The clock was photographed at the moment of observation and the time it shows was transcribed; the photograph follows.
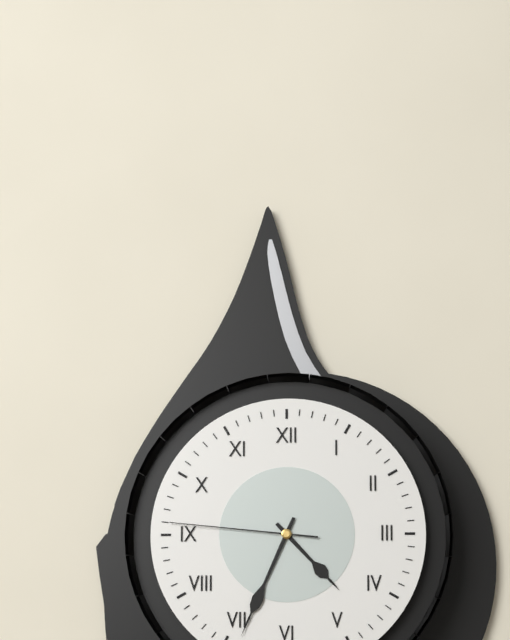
4:34:46
